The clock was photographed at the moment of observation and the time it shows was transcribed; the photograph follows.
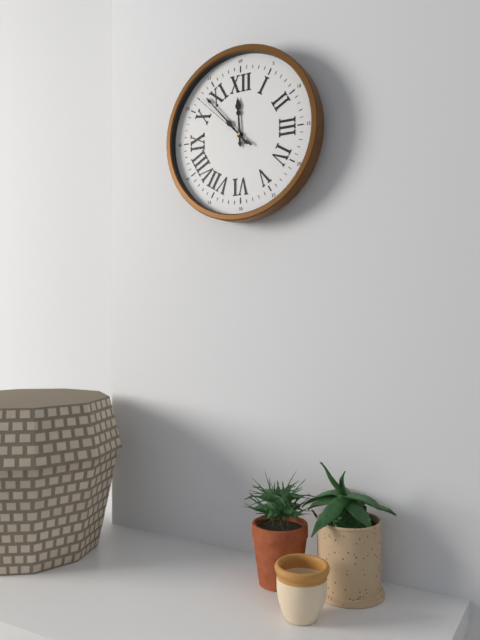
11:53:52
